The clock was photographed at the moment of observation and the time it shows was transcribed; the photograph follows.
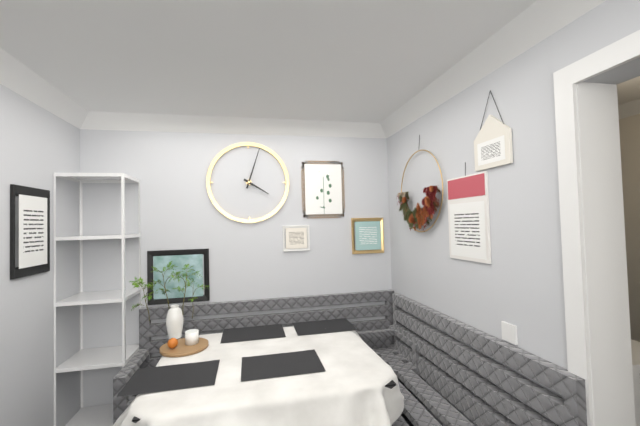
4:03
